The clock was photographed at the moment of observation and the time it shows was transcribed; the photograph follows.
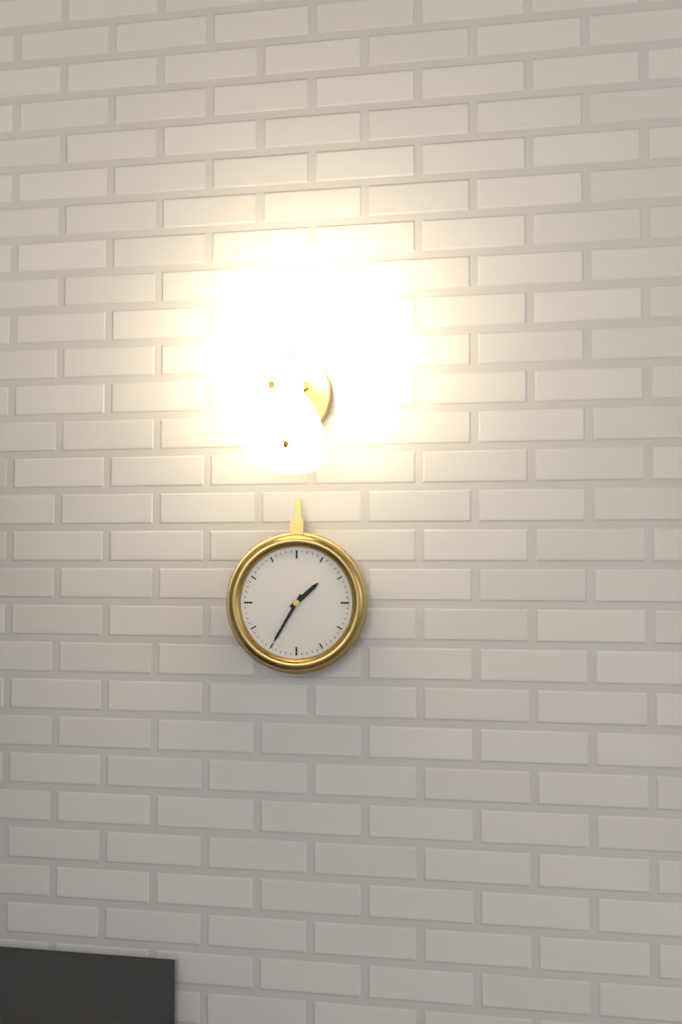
1:35
